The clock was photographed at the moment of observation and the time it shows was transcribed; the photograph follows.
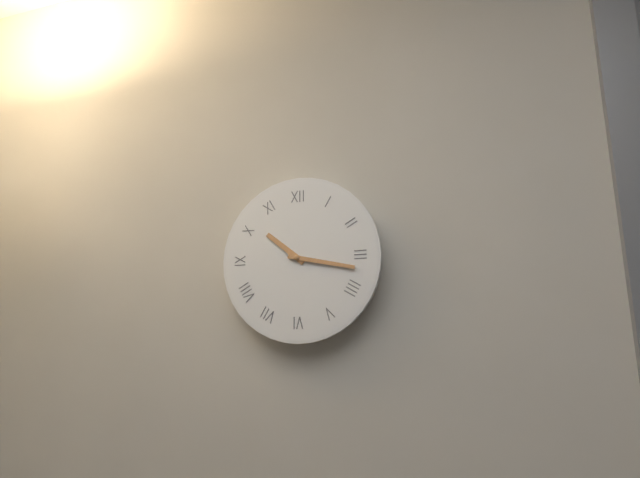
10:17
